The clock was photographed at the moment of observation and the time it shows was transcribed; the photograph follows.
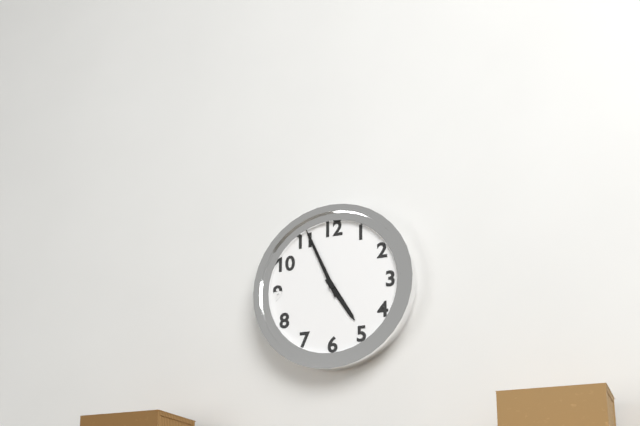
4:56
